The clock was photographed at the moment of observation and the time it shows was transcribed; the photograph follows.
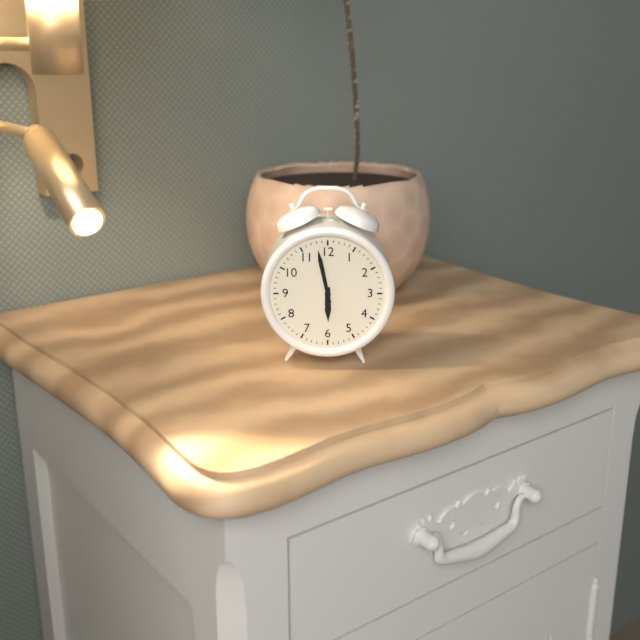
5:58
